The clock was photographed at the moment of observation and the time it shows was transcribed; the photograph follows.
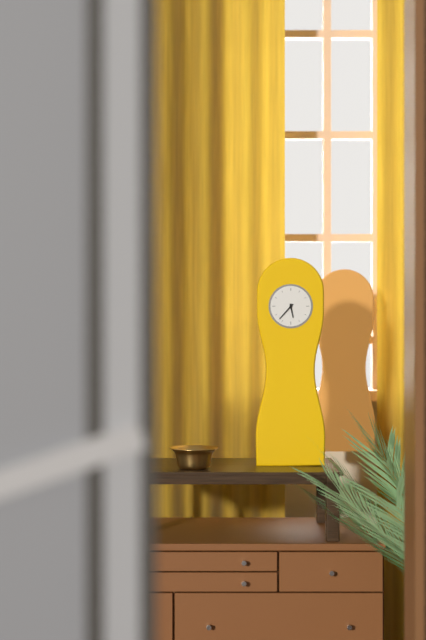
5:37
